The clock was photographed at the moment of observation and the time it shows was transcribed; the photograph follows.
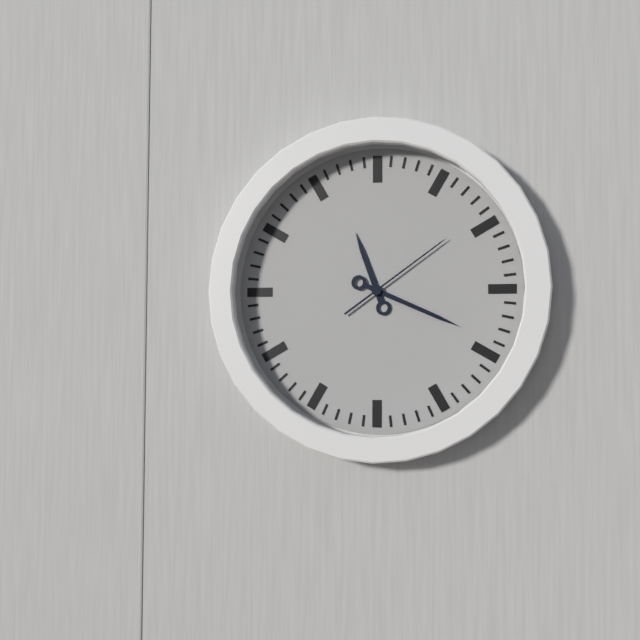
11:19:09
